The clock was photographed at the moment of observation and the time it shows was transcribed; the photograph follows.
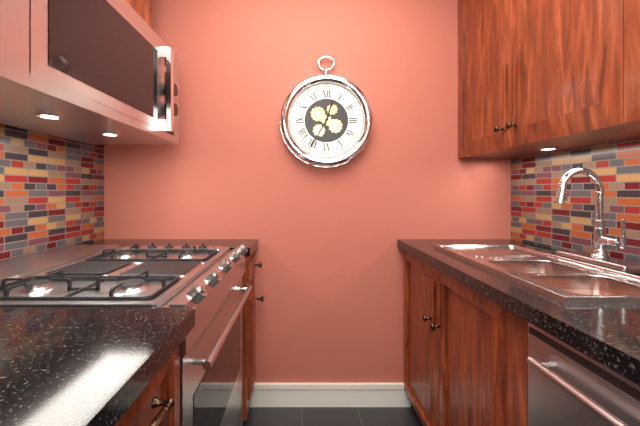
12:35
